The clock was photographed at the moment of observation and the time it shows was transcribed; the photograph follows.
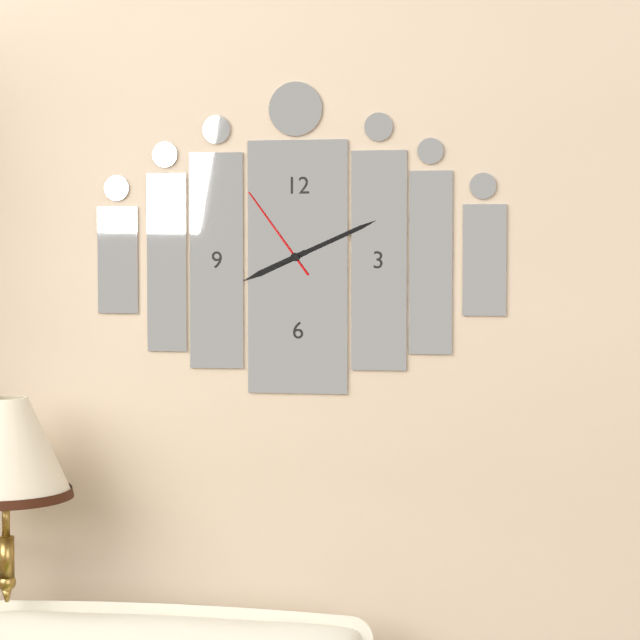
8:11:54
